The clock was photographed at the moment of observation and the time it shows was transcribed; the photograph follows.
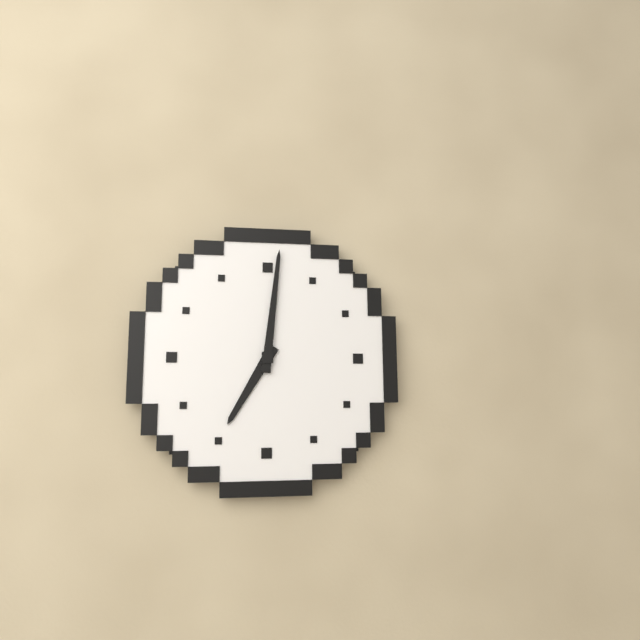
7:01
